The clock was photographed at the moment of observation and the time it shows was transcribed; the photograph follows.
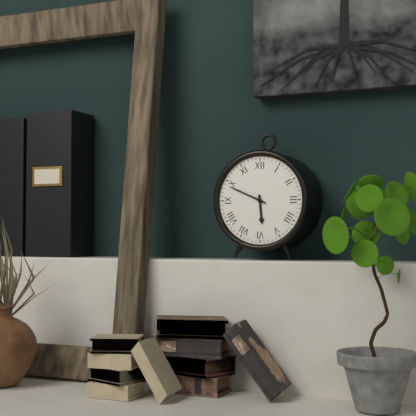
5:49
